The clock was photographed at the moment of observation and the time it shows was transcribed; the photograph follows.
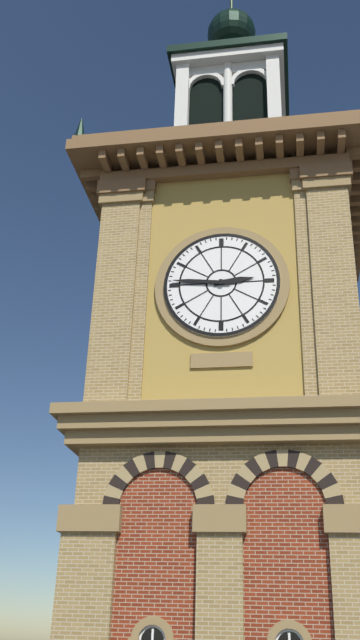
2:46
